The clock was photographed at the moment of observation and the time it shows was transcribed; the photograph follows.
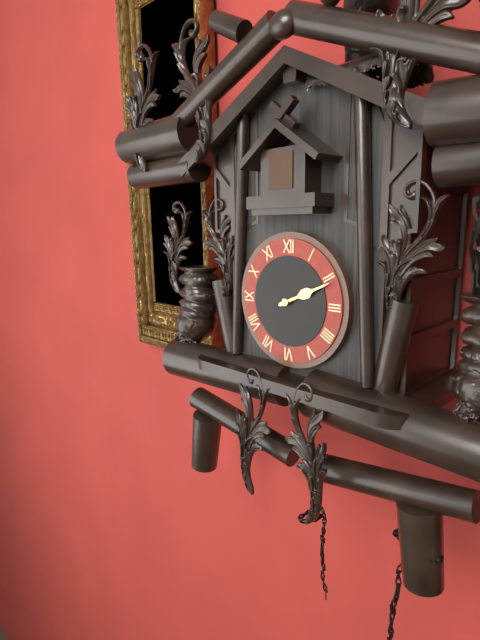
2:11
